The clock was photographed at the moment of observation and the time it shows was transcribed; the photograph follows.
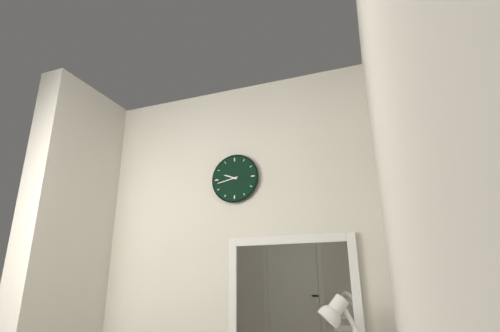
9:43
